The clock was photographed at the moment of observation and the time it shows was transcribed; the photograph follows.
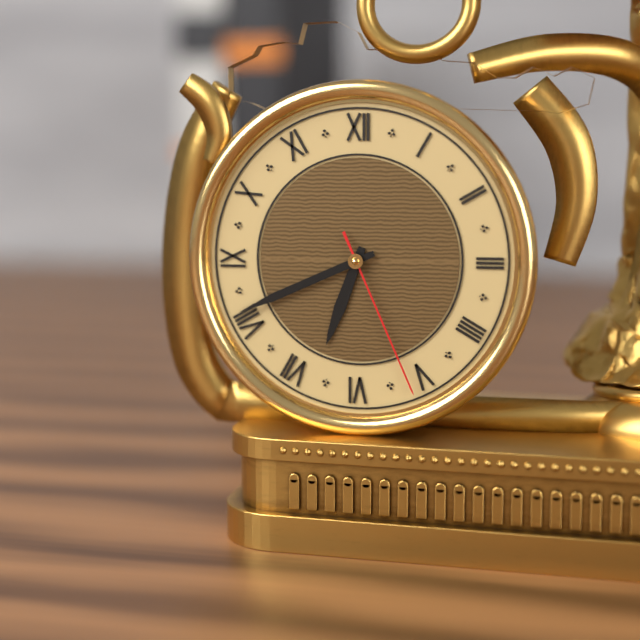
6:41:26
